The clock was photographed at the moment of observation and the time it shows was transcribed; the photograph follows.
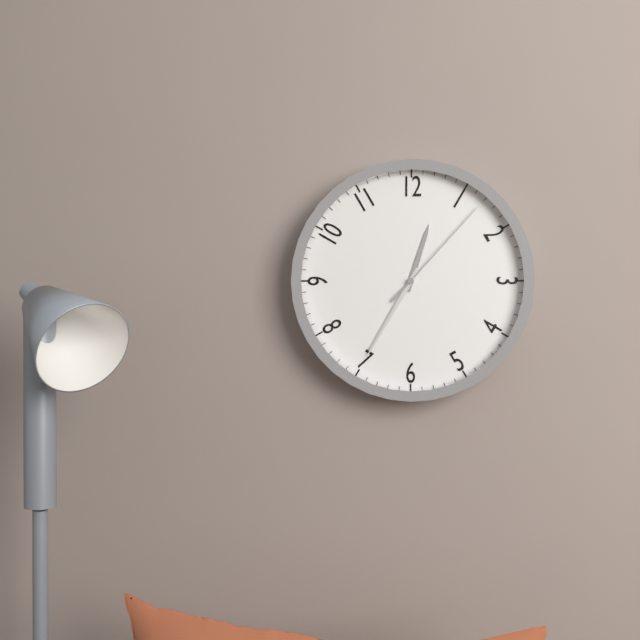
12:35:07
